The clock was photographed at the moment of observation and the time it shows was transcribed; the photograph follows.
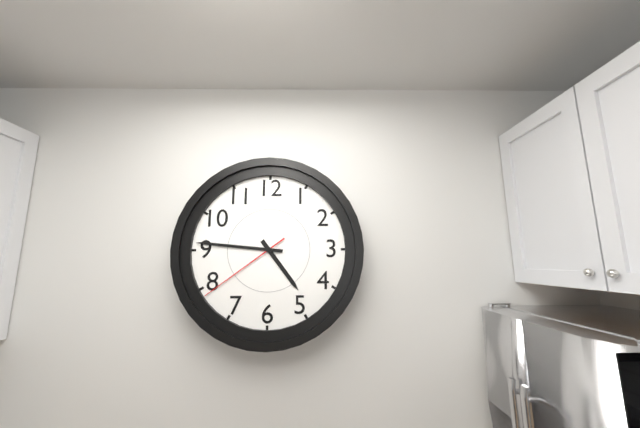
4:46:39
